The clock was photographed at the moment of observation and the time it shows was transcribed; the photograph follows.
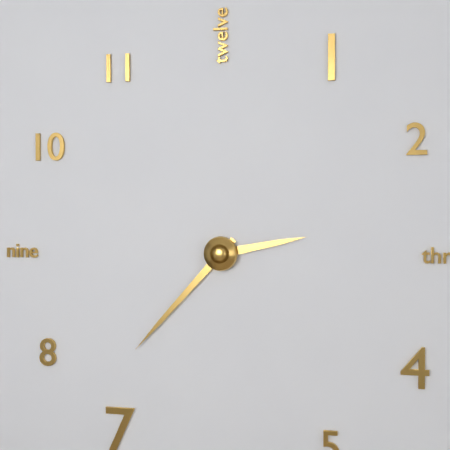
2:37
